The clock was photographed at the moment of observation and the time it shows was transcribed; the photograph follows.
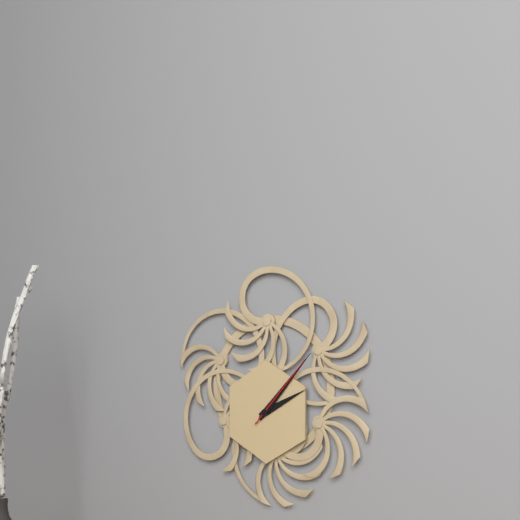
2:07:07
